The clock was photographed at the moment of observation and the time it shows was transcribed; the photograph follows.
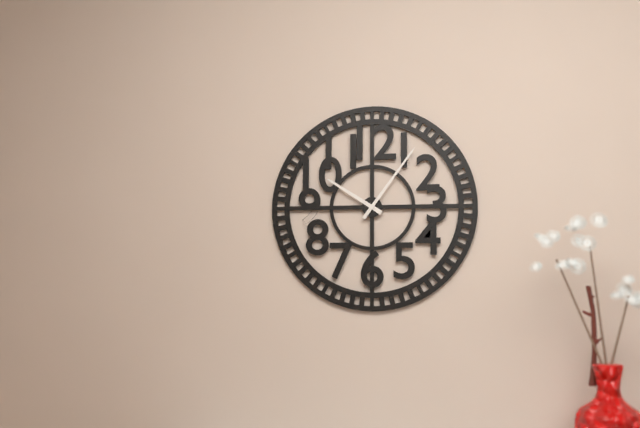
10:06
